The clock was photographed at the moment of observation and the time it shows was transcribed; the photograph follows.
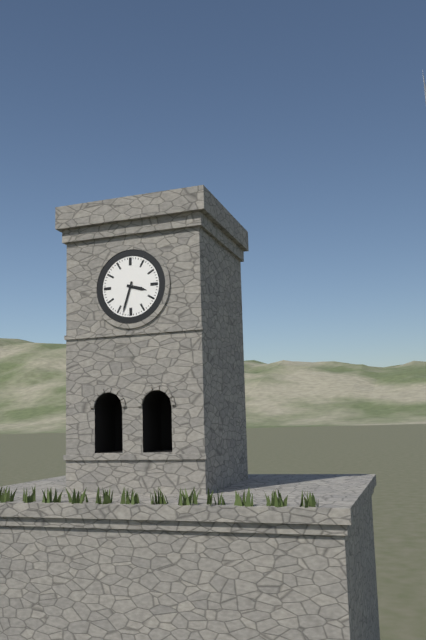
3:33
